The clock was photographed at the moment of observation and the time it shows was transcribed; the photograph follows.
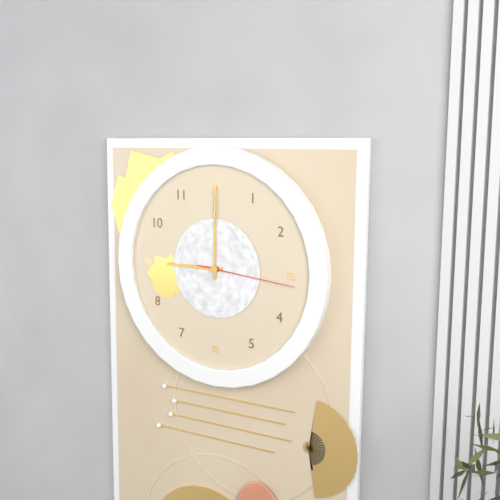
9:00:16
